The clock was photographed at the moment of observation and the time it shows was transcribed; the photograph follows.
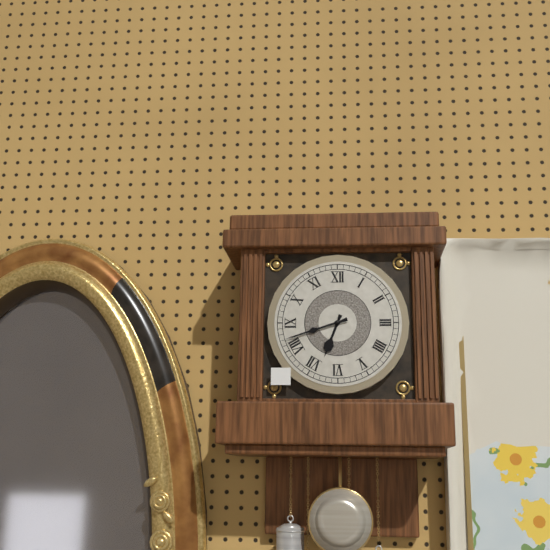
6:42
